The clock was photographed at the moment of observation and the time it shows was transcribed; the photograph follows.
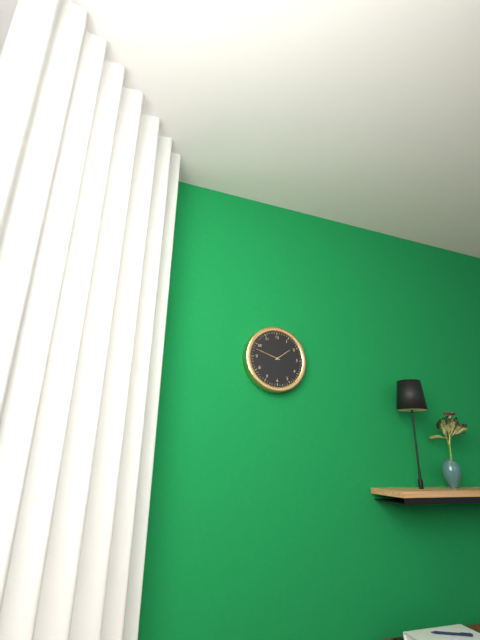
1:48
